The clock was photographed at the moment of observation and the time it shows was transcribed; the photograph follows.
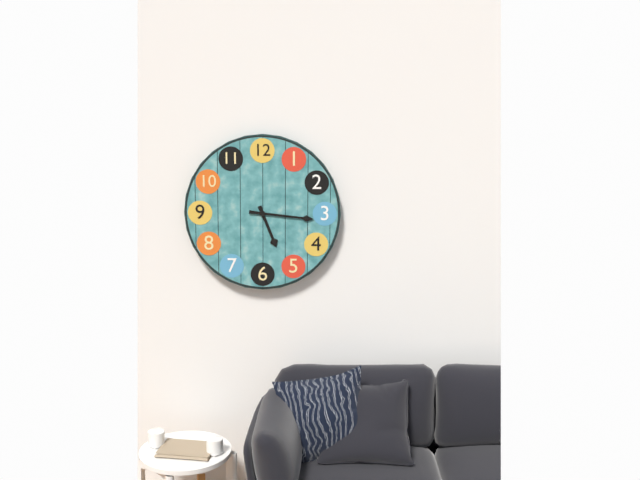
5:16
